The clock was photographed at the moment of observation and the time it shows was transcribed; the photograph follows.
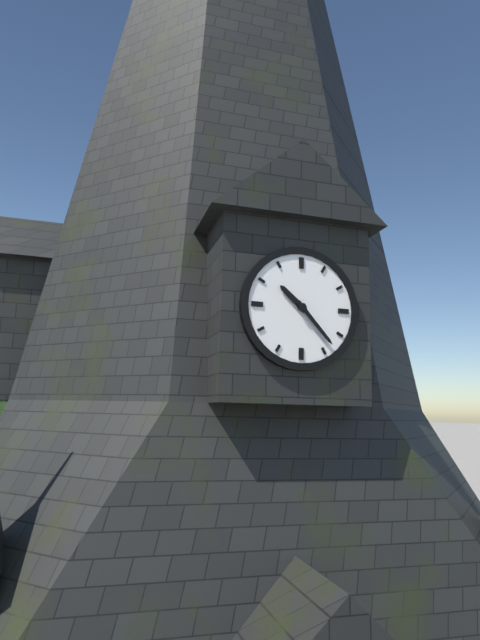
10:23
